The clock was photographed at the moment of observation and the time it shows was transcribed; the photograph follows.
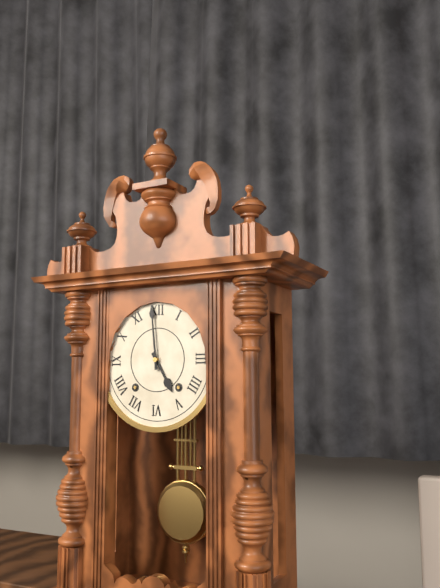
4:59
